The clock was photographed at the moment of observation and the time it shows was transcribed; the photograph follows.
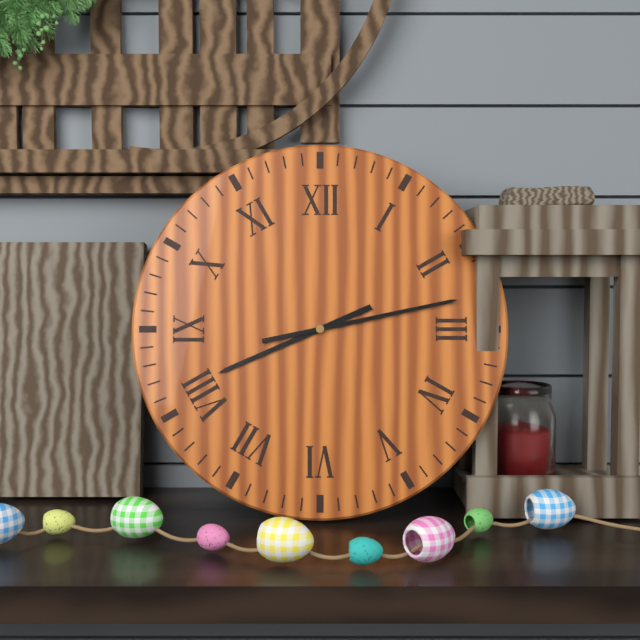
8:13
